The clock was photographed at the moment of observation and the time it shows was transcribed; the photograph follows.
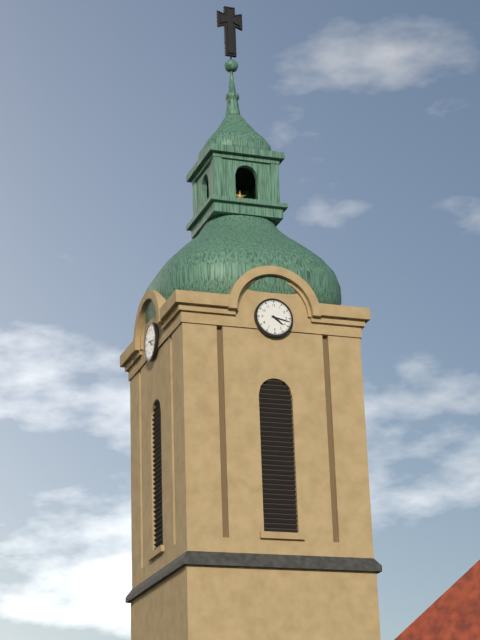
4:17
